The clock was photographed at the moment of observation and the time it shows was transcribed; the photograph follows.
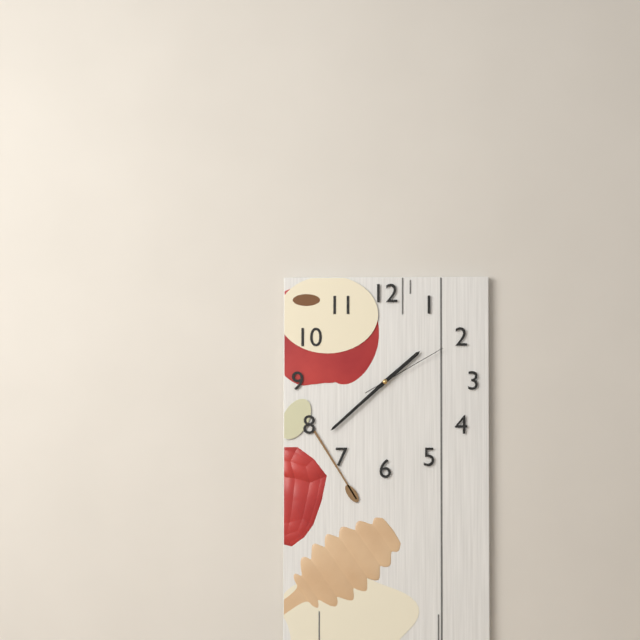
1:38:10
